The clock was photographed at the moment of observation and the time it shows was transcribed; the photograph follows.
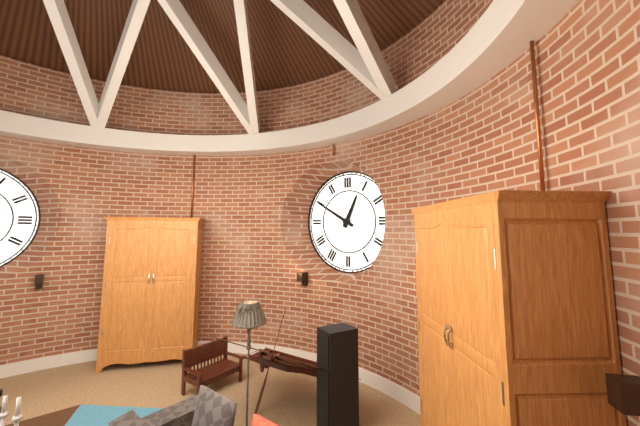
12:50
